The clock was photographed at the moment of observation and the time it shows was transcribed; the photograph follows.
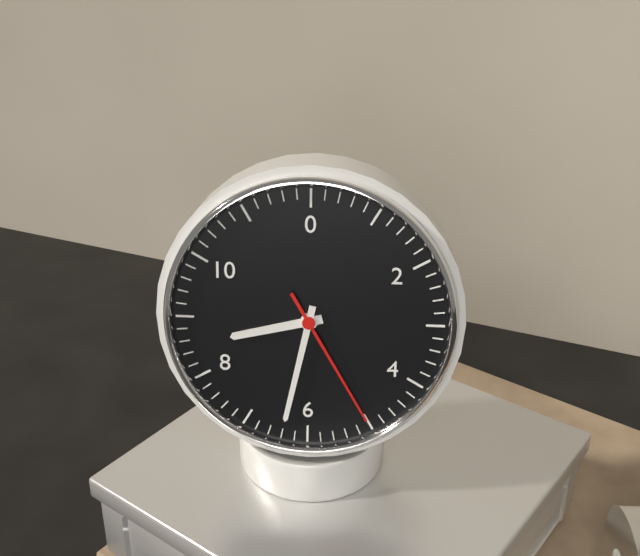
8:32:25
